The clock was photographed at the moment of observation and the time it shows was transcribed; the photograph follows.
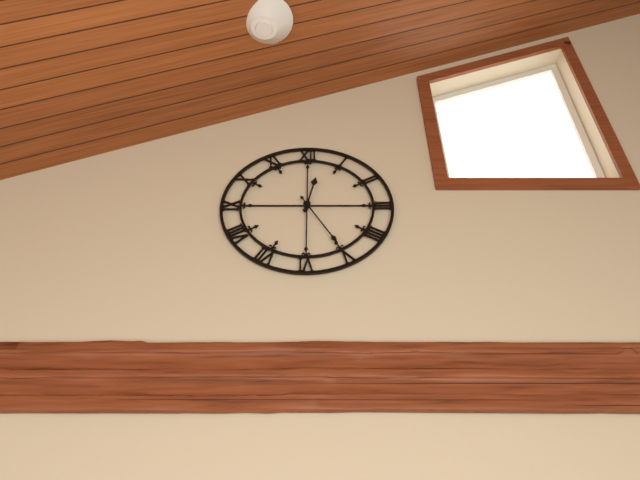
12:25
